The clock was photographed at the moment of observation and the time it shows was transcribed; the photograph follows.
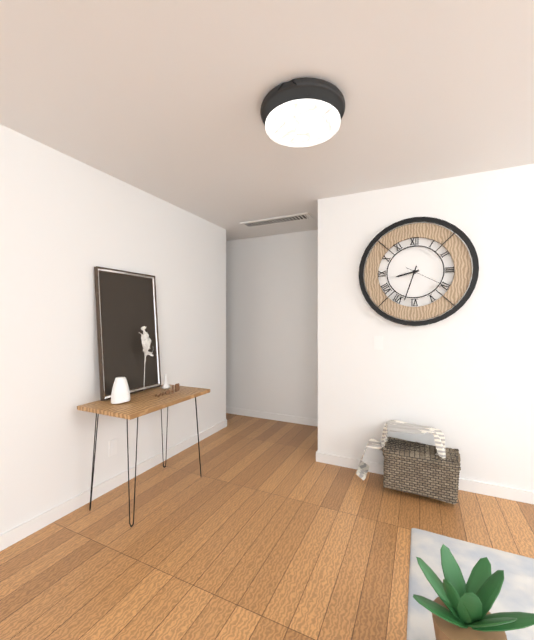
8:33
